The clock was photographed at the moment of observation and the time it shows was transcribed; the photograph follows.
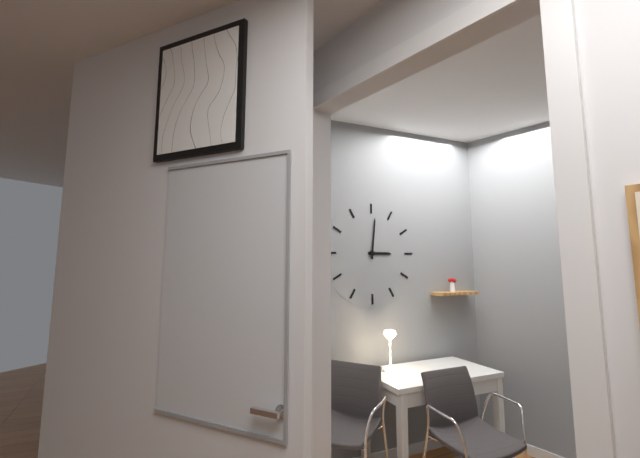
3:01
